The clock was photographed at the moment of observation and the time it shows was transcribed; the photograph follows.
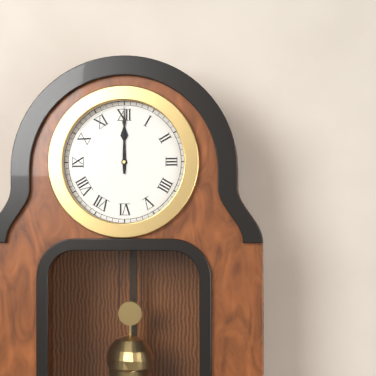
12:00
